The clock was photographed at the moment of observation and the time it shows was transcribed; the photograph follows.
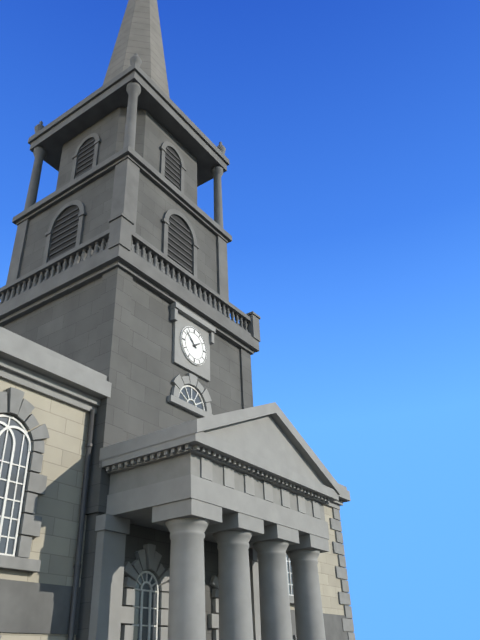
1:52
